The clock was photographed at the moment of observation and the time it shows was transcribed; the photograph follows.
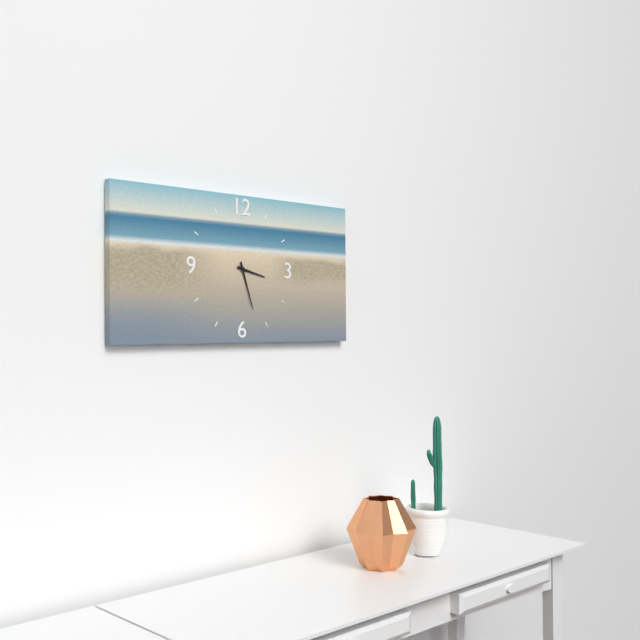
3:27
